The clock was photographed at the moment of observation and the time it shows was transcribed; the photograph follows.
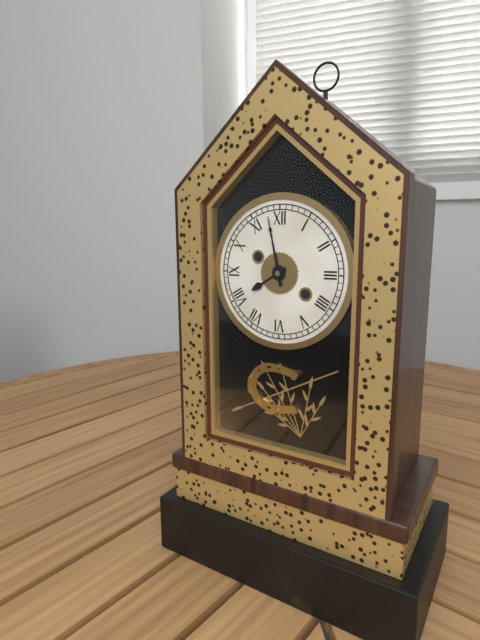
7:58
